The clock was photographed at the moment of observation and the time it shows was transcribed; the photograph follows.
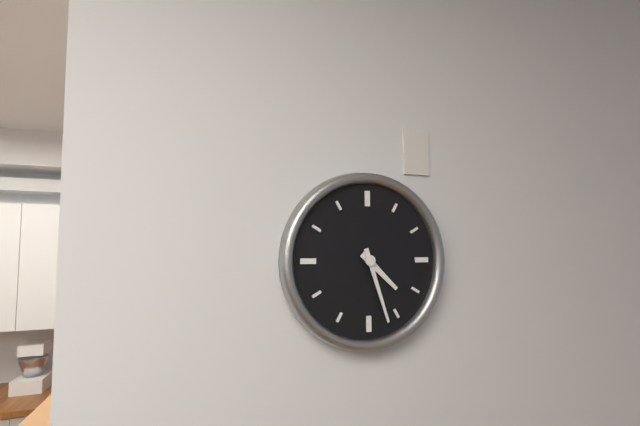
4:27
